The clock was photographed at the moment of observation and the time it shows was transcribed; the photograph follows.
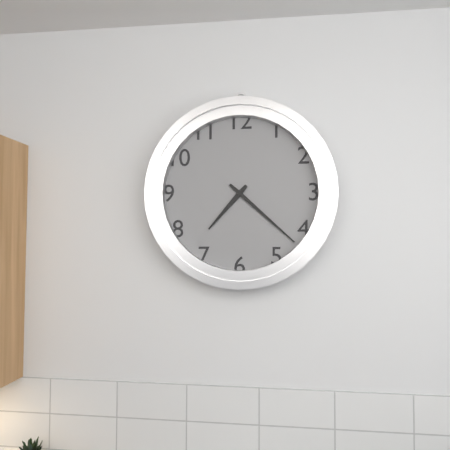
7:22
